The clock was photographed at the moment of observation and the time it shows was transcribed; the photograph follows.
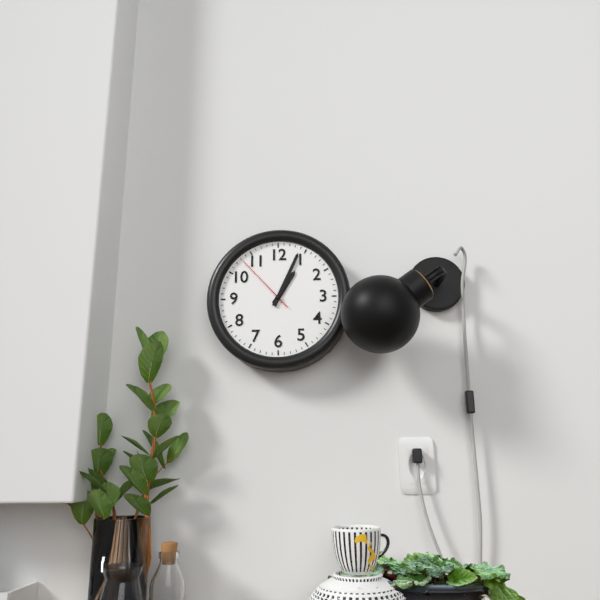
1:04:53
